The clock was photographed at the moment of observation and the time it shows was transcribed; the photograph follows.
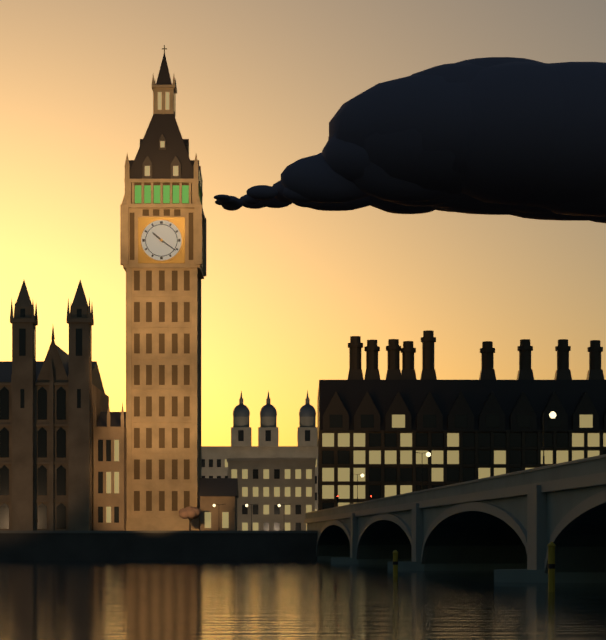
10:21
